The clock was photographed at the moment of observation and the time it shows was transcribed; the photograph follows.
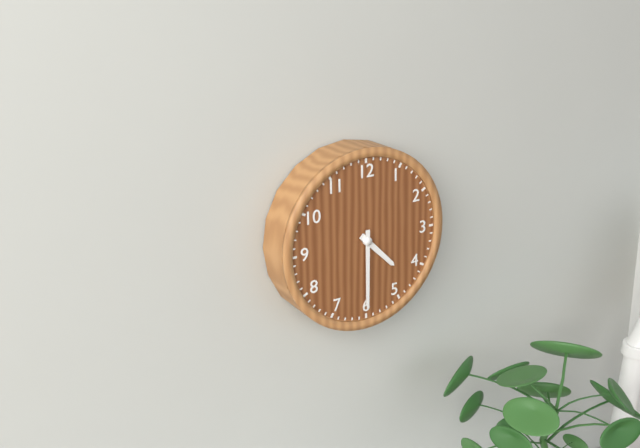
4:30
